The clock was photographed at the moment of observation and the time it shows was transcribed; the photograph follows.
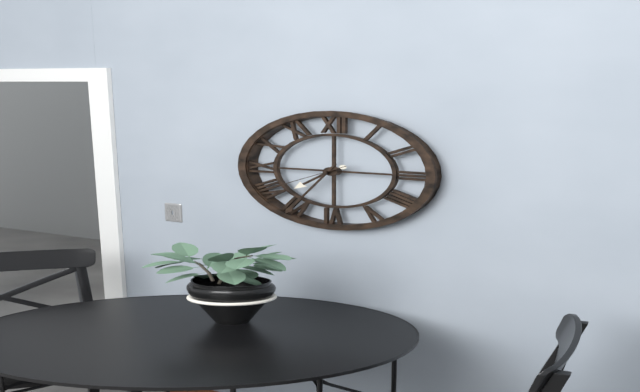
7:35:40
